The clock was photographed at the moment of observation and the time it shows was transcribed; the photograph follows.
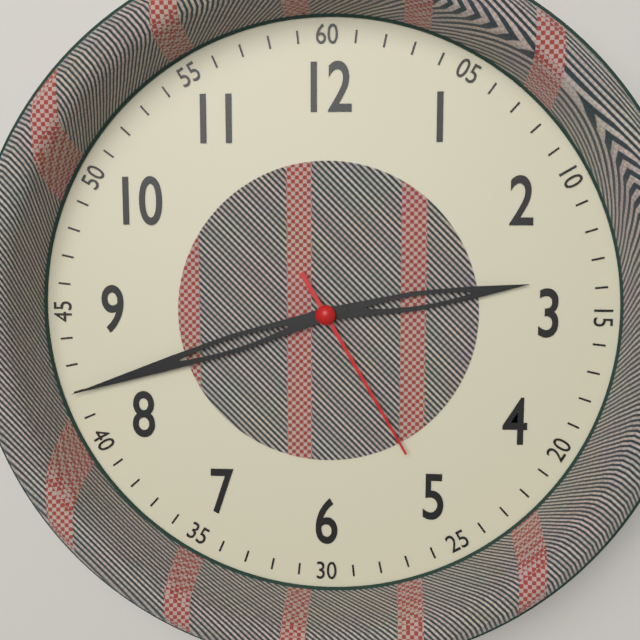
2:42:25
